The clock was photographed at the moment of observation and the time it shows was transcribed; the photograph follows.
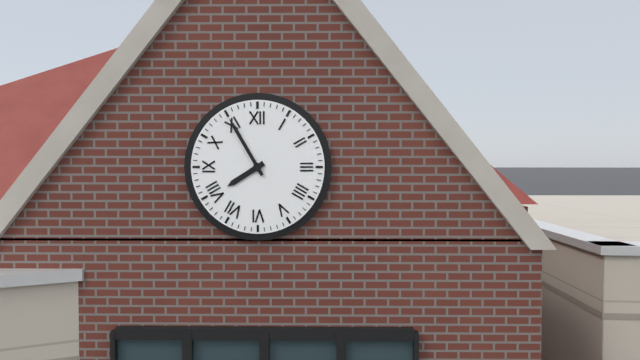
7:55
